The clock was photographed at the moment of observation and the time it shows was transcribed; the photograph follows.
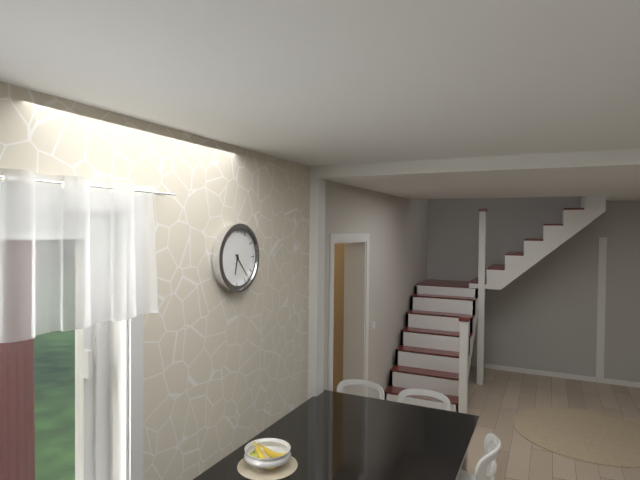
6:23
